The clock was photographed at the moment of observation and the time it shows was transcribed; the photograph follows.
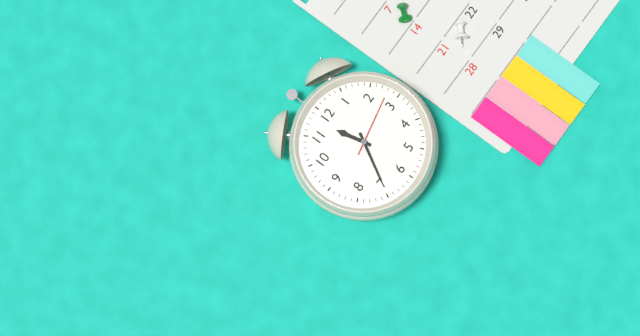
11:35:13
